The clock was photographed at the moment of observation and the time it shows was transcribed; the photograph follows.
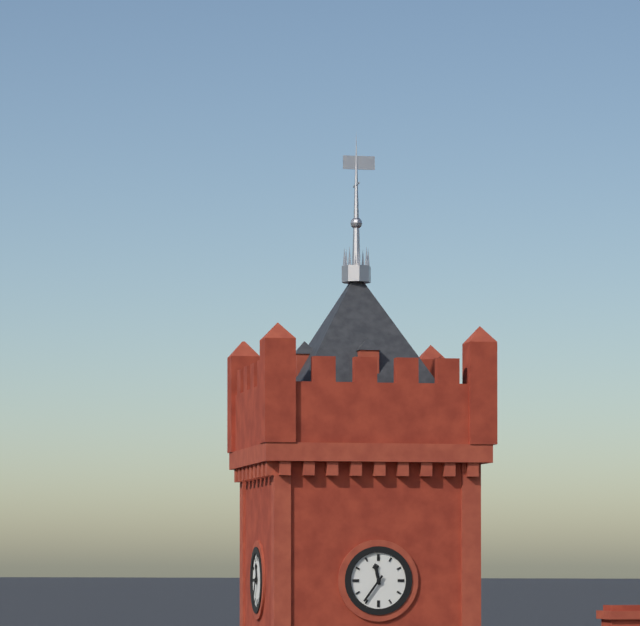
11:36
